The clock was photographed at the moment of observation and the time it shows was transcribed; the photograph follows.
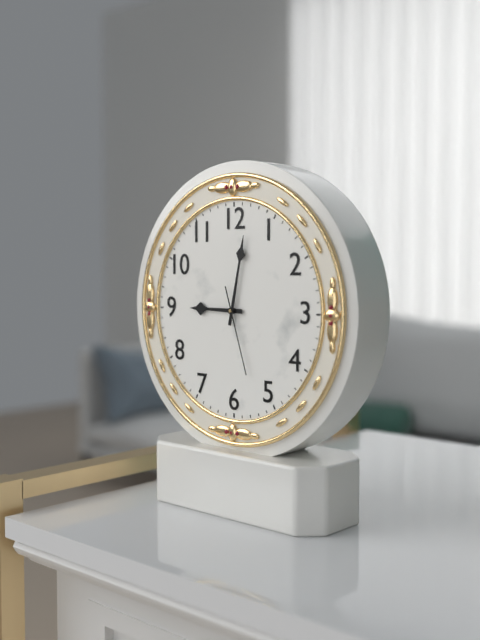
9:02:27
